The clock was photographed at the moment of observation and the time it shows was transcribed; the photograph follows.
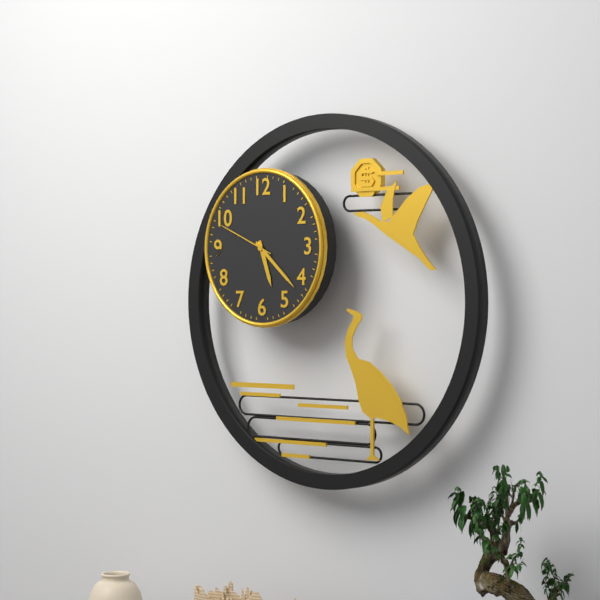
5:22:49
